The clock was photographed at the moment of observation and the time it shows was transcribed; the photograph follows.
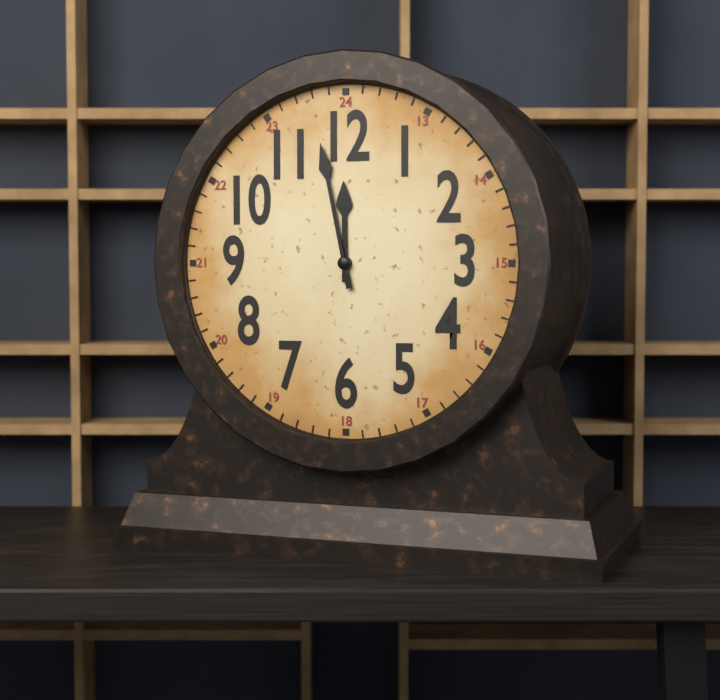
11:58
